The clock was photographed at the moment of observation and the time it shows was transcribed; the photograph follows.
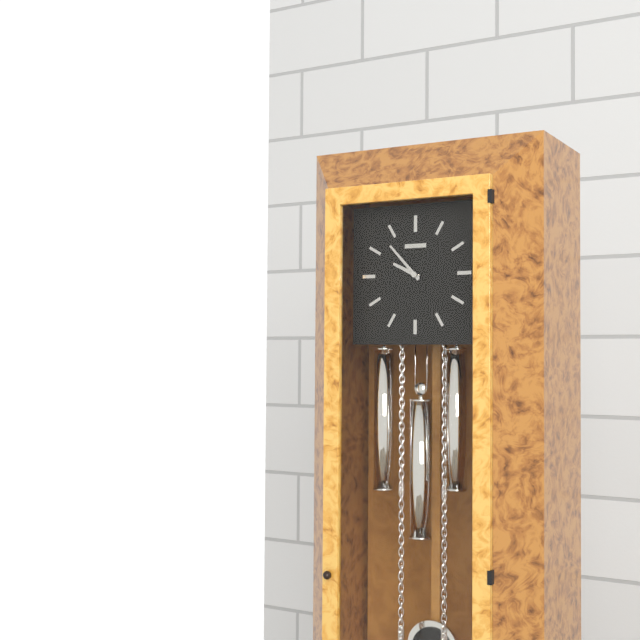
9:53
